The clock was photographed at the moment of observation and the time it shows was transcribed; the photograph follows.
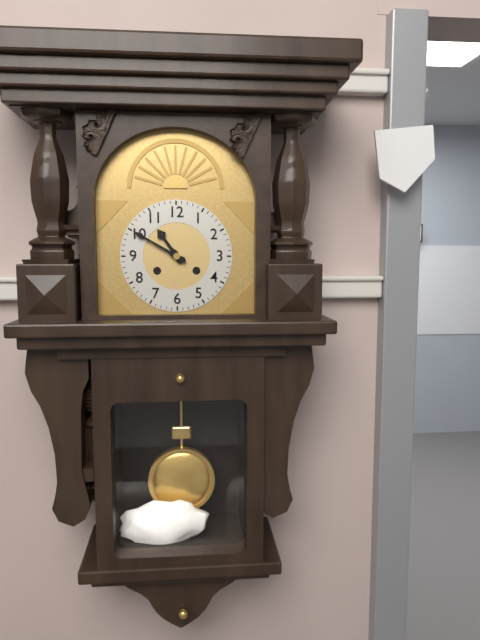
10:50
